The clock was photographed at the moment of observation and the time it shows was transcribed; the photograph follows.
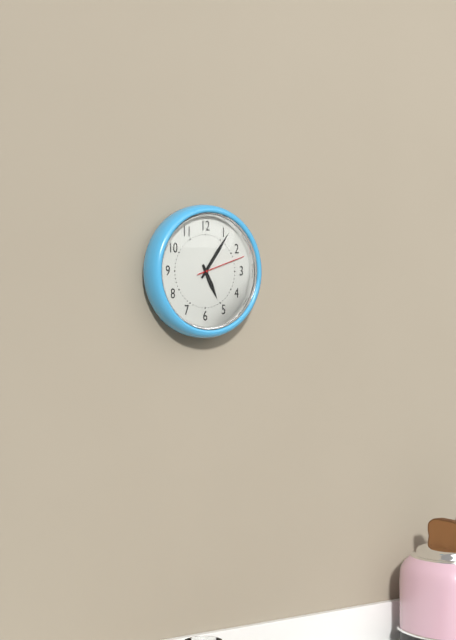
5:06:12
